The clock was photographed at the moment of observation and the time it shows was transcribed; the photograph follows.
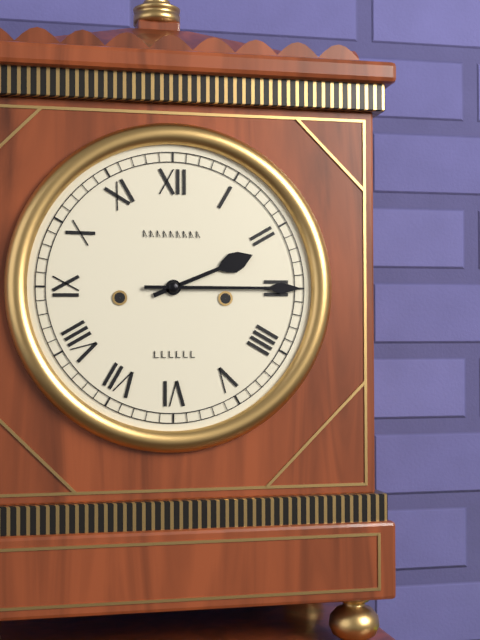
2:15
